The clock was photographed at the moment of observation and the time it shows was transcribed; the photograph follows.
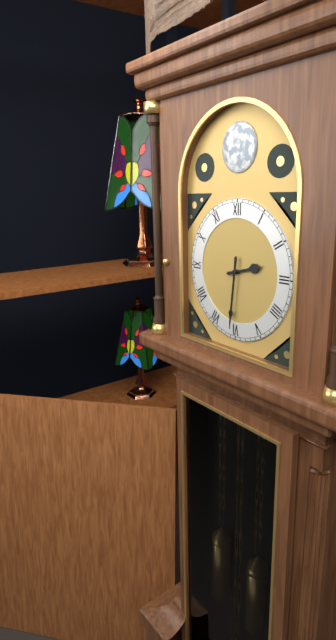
2:31
